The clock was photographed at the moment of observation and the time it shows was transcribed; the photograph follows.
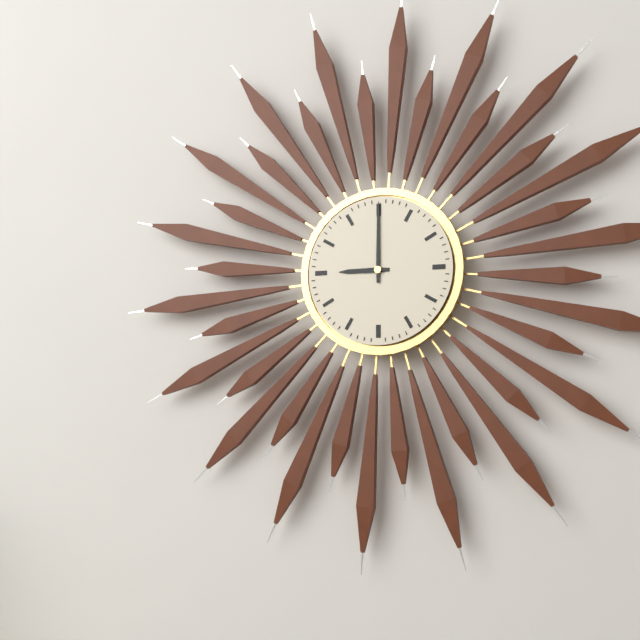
9:00
